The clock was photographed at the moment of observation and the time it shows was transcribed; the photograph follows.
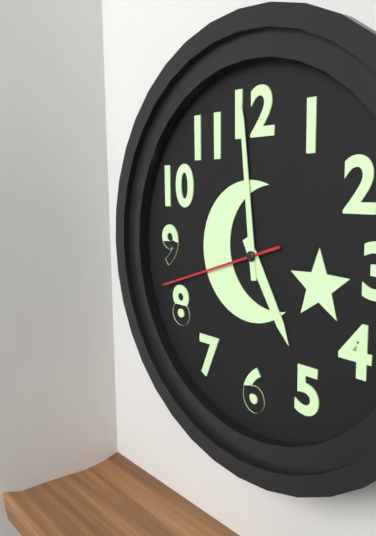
4:59:42
